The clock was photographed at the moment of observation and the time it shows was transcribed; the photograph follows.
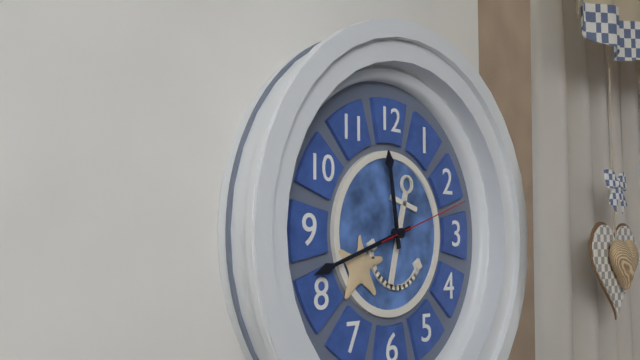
11:42:12
